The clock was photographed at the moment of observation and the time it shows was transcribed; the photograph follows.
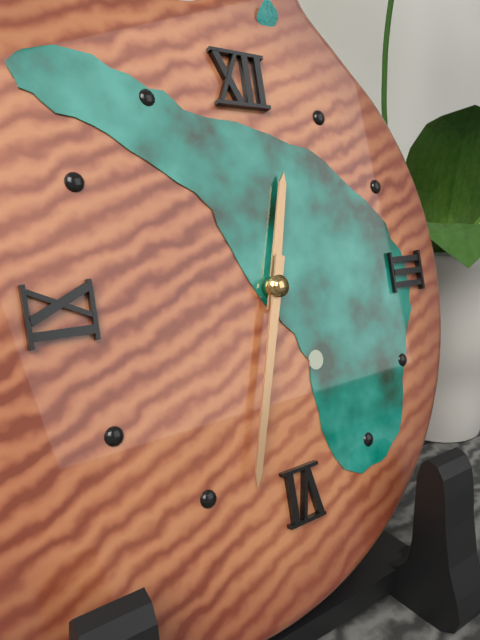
12:33
